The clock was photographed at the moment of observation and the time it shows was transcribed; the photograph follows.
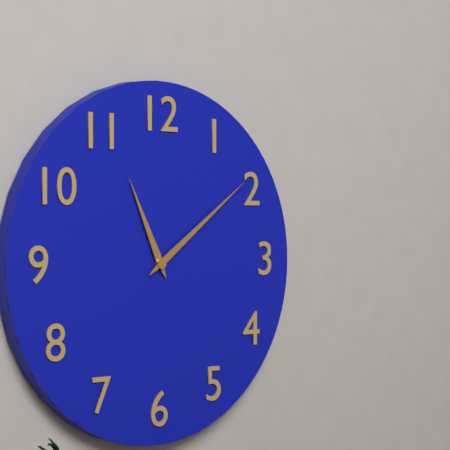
11:09
